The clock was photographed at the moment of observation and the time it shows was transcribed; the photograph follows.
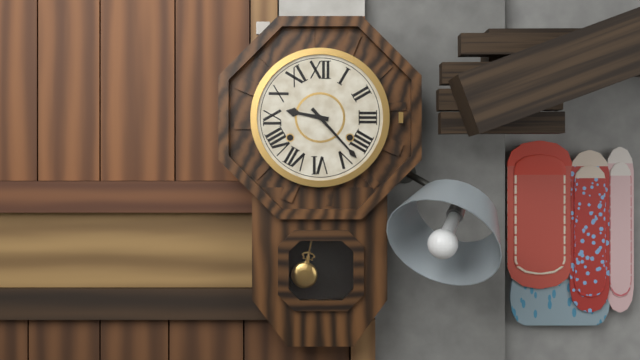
9:23
